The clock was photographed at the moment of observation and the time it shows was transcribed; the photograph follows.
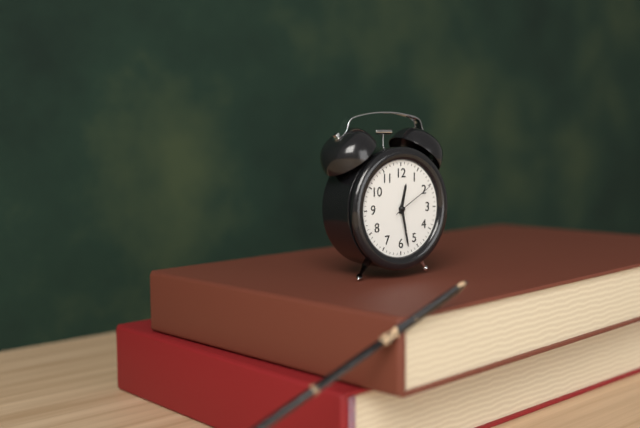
12:28
